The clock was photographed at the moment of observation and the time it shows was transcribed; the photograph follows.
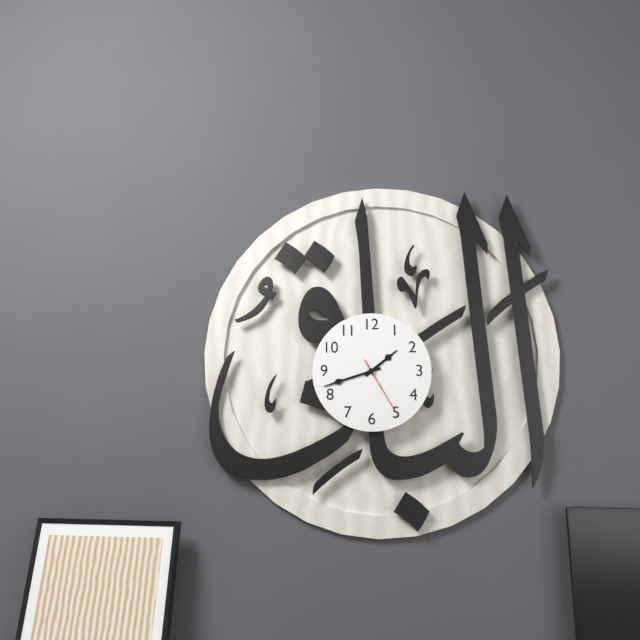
1:42:25
